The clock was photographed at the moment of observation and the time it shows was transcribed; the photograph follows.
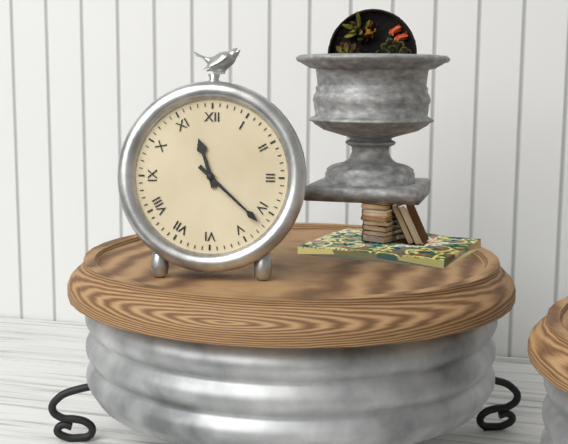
11:22
